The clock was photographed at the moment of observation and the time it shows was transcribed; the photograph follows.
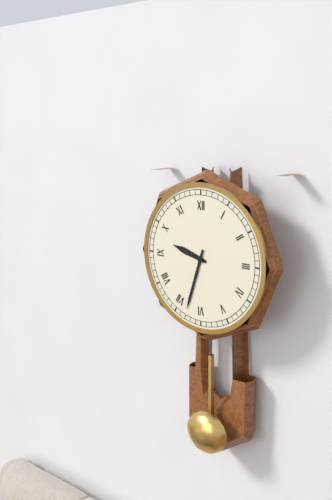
9:33
